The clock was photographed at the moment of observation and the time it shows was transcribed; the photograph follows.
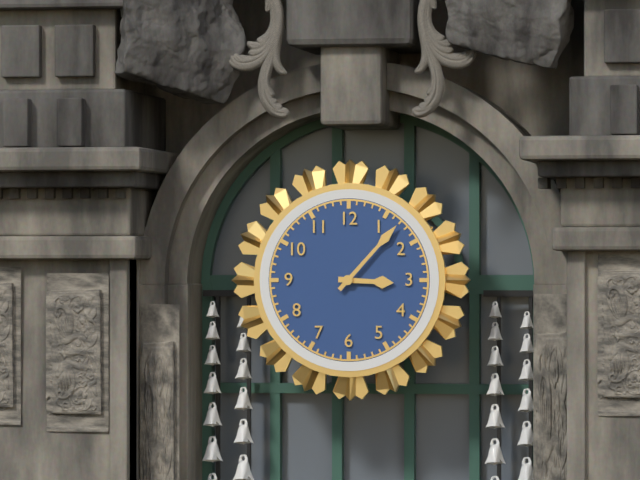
3:07
